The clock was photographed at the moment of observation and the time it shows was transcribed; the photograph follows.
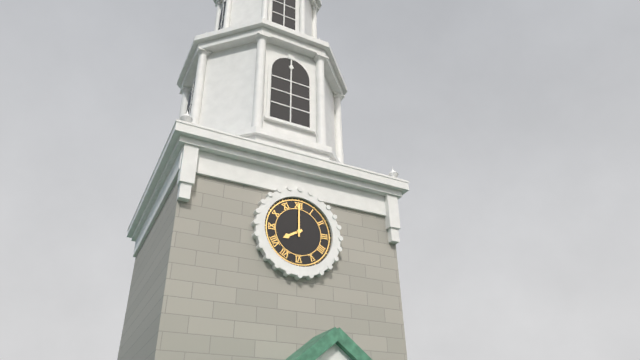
8:00
